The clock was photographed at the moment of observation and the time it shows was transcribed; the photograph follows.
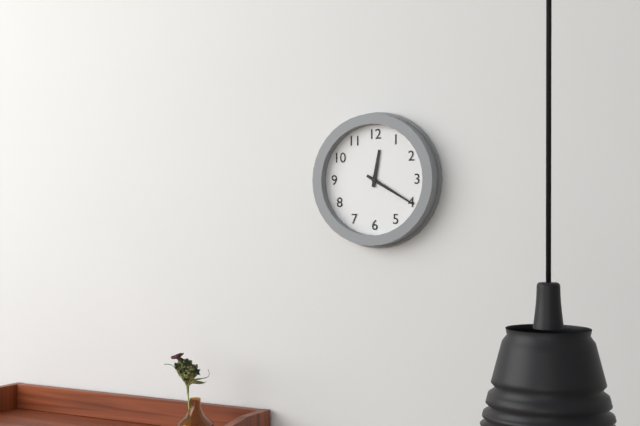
12:20
